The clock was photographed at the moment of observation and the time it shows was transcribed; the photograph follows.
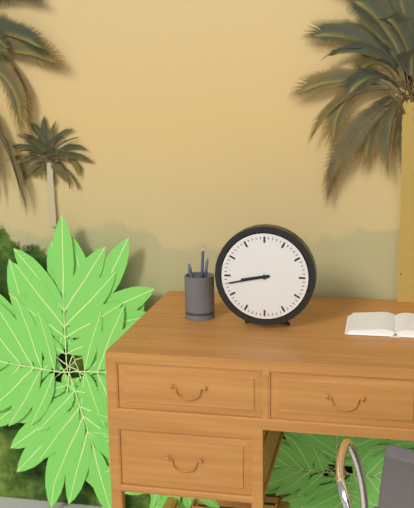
8:43
